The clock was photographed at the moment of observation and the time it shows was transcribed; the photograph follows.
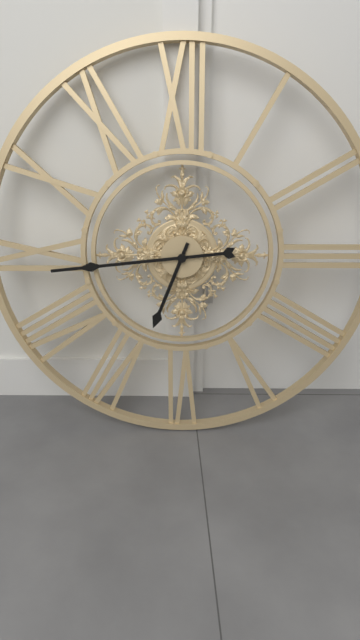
6:44
